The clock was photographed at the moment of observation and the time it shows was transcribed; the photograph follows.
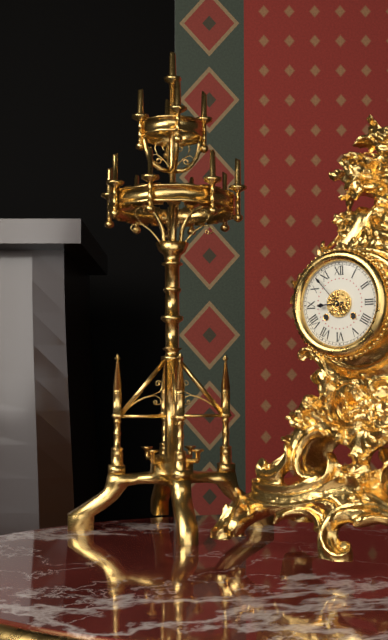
8:53
